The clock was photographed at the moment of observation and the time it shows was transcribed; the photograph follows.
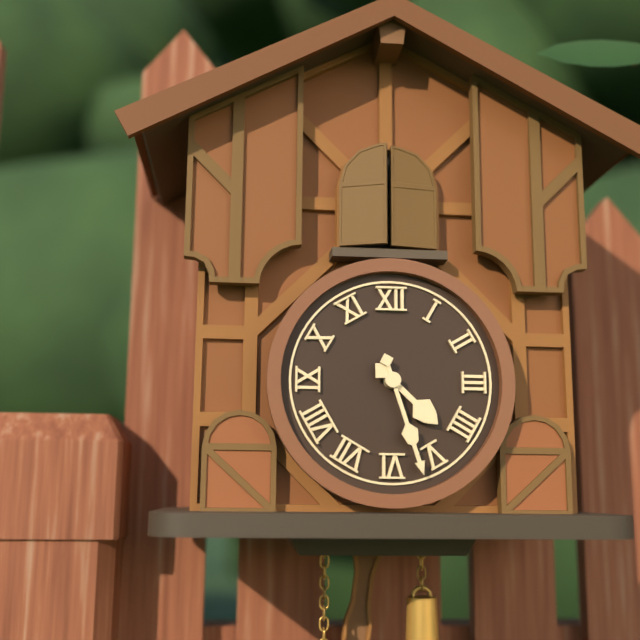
4:27
